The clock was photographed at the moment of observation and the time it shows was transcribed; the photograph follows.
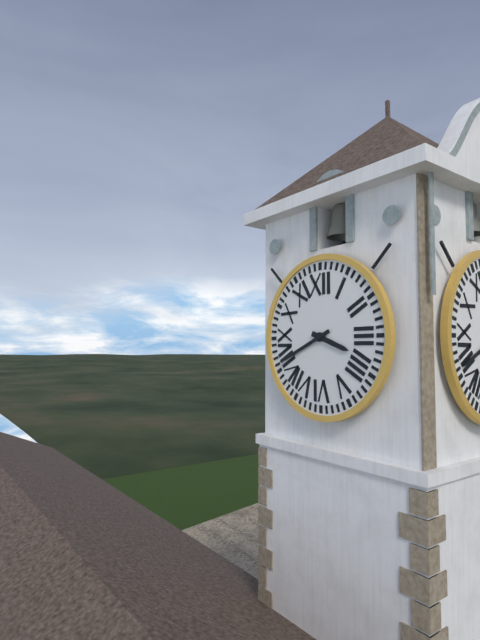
3:41
